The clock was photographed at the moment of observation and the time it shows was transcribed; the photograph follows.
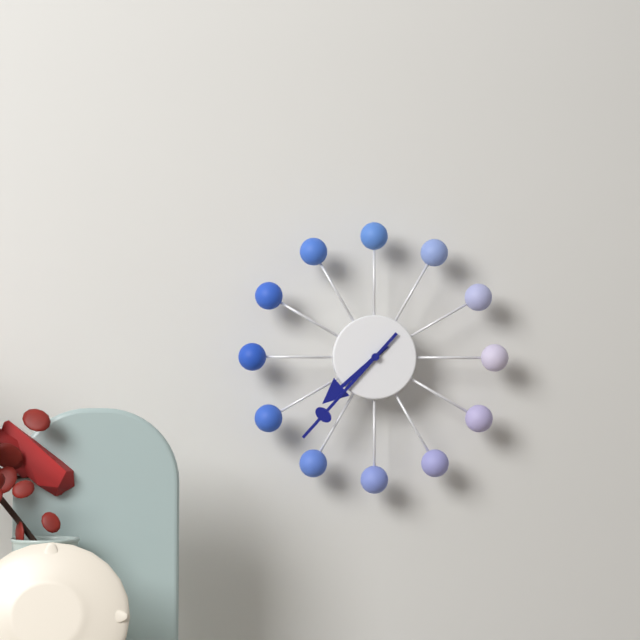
7:37
